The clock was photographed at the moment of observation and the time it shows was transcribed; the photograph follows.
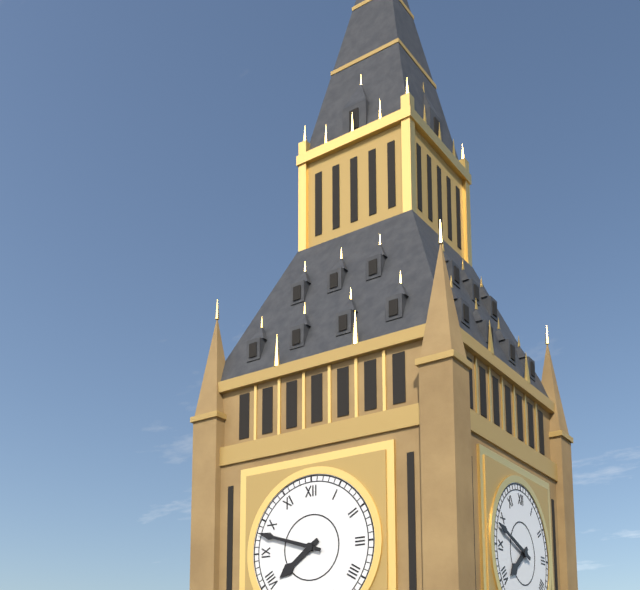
7:48
